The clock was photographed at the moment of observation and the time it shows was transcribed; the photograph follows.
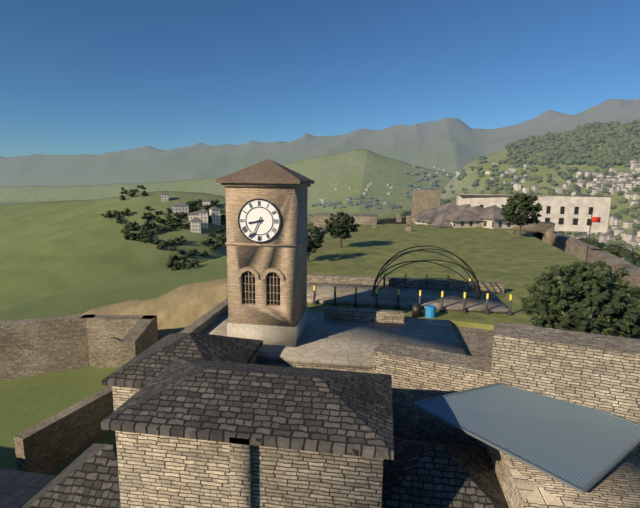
8:34
